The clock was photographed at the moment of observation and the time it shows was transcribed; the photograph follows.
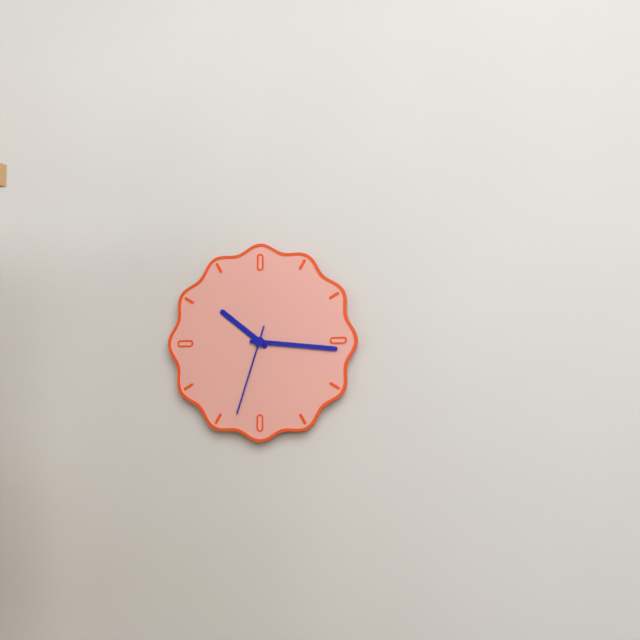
10:16:33
